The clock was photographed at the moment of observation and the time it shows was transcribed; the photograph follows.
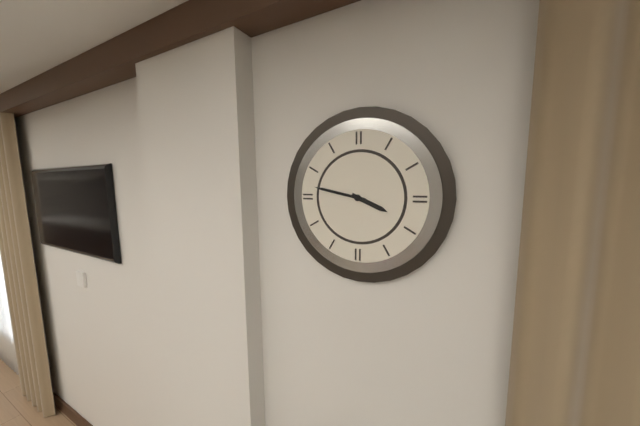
3:47
